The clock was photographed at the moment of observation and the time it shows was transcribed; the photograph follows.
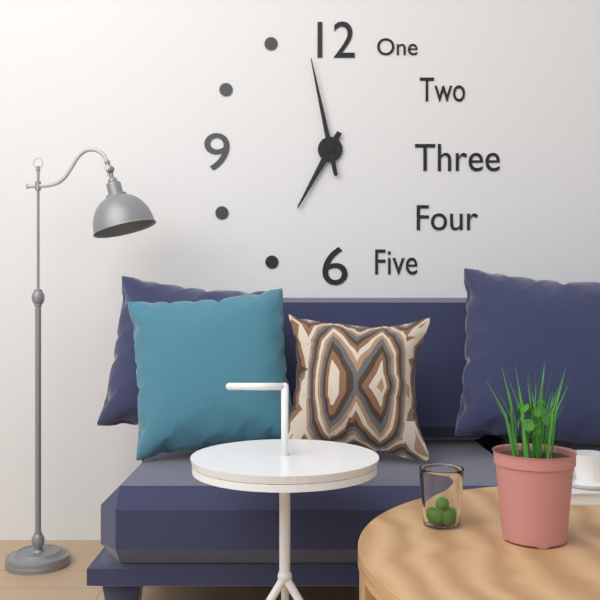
6:58
